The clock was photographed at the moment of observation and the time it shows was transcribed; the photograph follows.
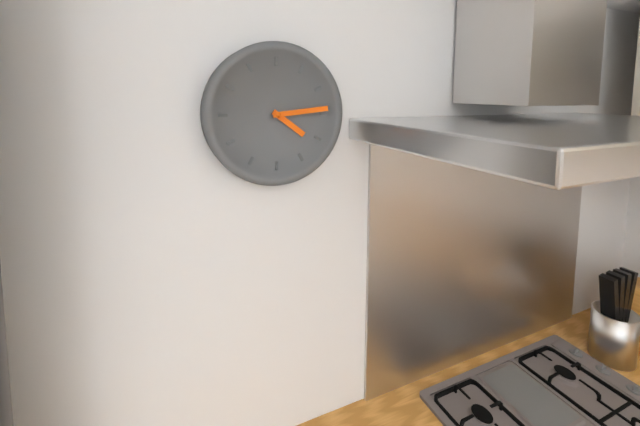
4:14
